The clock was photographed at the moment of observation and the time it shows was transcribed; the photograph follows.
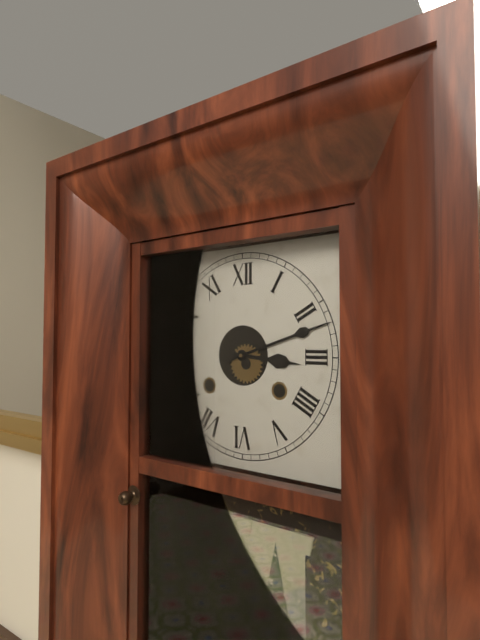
3:12
